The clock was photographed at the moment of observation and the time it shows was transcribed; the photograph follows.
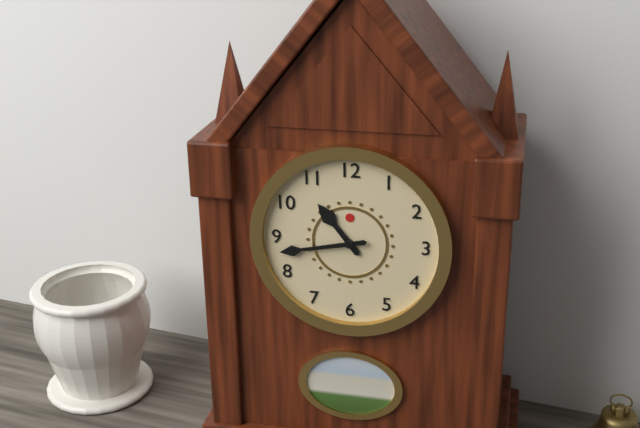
10:43
